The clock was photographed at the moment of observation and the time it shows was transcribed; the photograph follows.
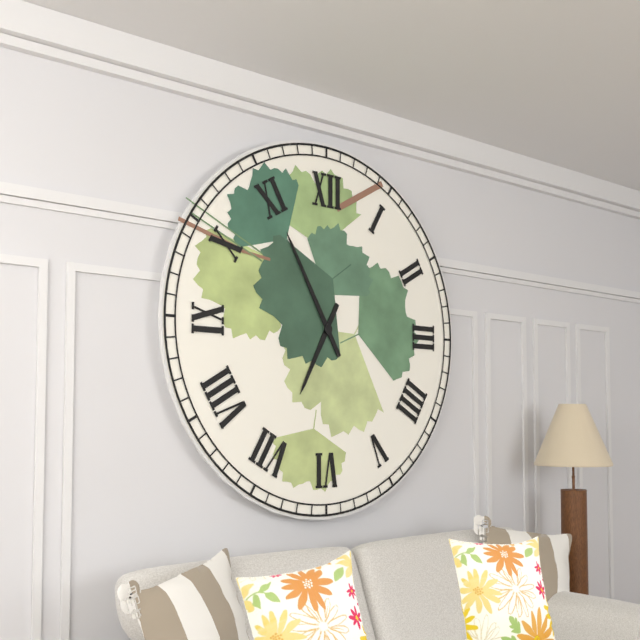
6:55
